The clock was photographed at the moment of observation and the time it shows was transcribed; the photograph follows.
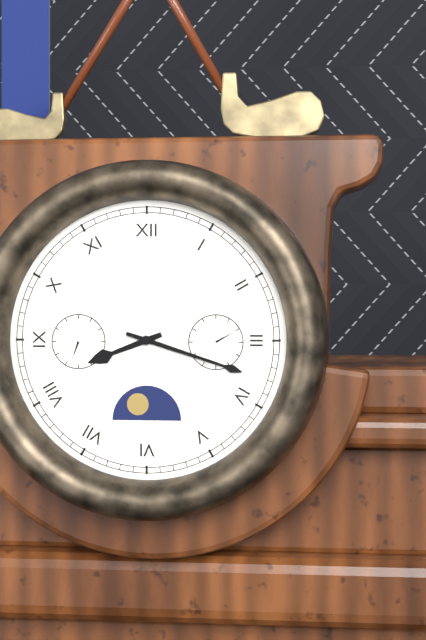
8:18
